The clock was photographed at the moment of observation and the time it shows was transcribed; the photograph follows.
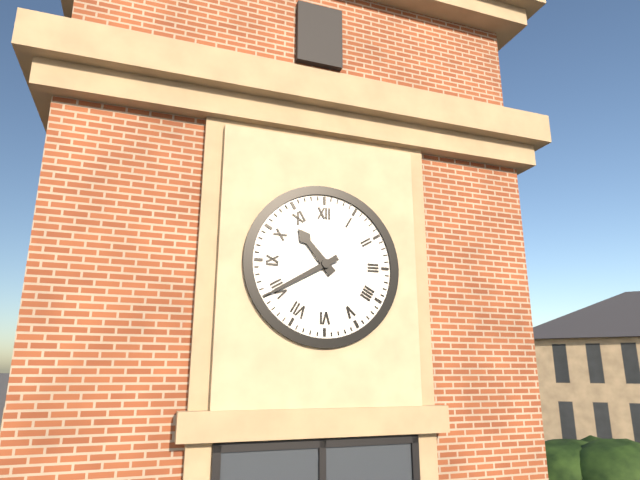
10:40
